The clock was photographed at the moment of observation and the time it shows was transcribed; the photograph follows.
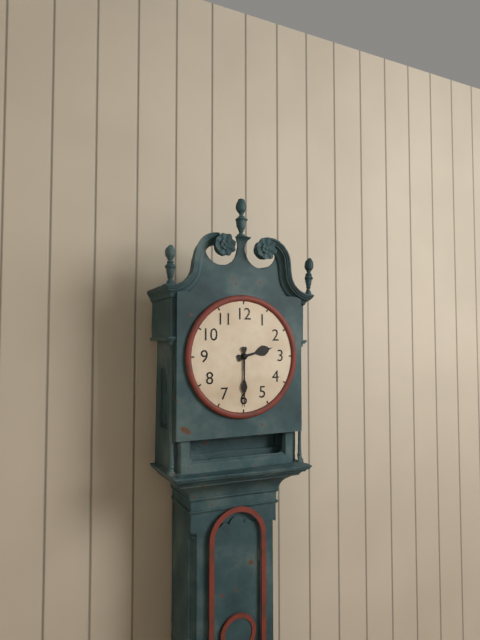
2:30
